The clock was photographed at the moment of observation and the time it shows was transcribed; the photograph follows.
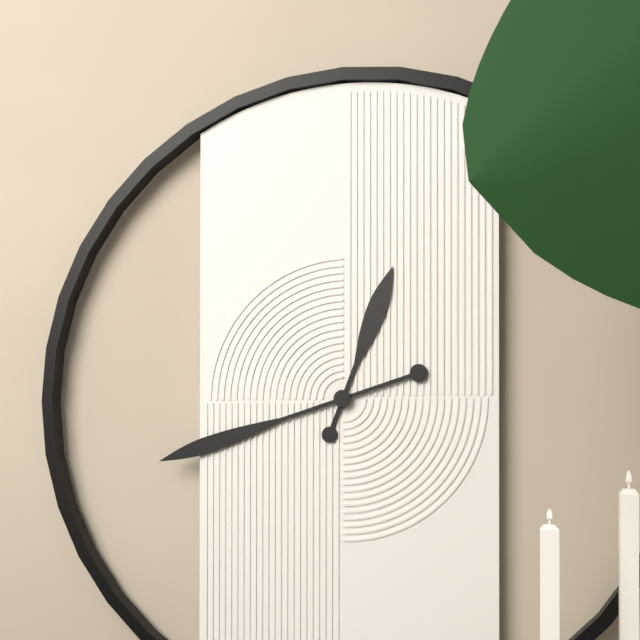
12:42
